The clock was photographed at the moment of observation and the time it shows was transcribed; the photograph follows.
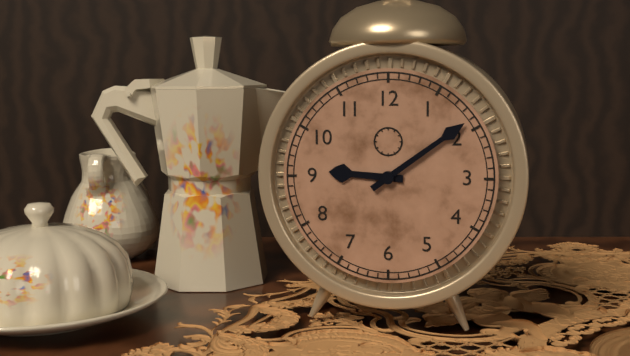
9:09
